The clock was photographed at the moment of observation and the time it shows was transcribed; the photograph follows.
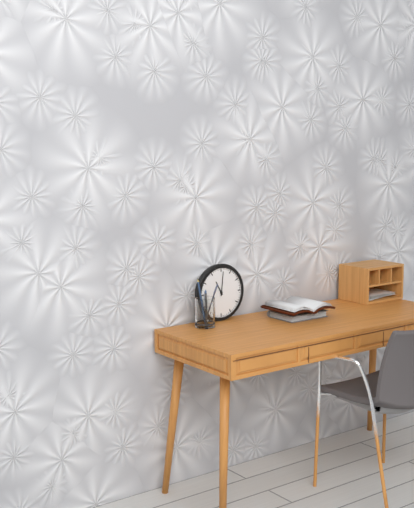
11:01
